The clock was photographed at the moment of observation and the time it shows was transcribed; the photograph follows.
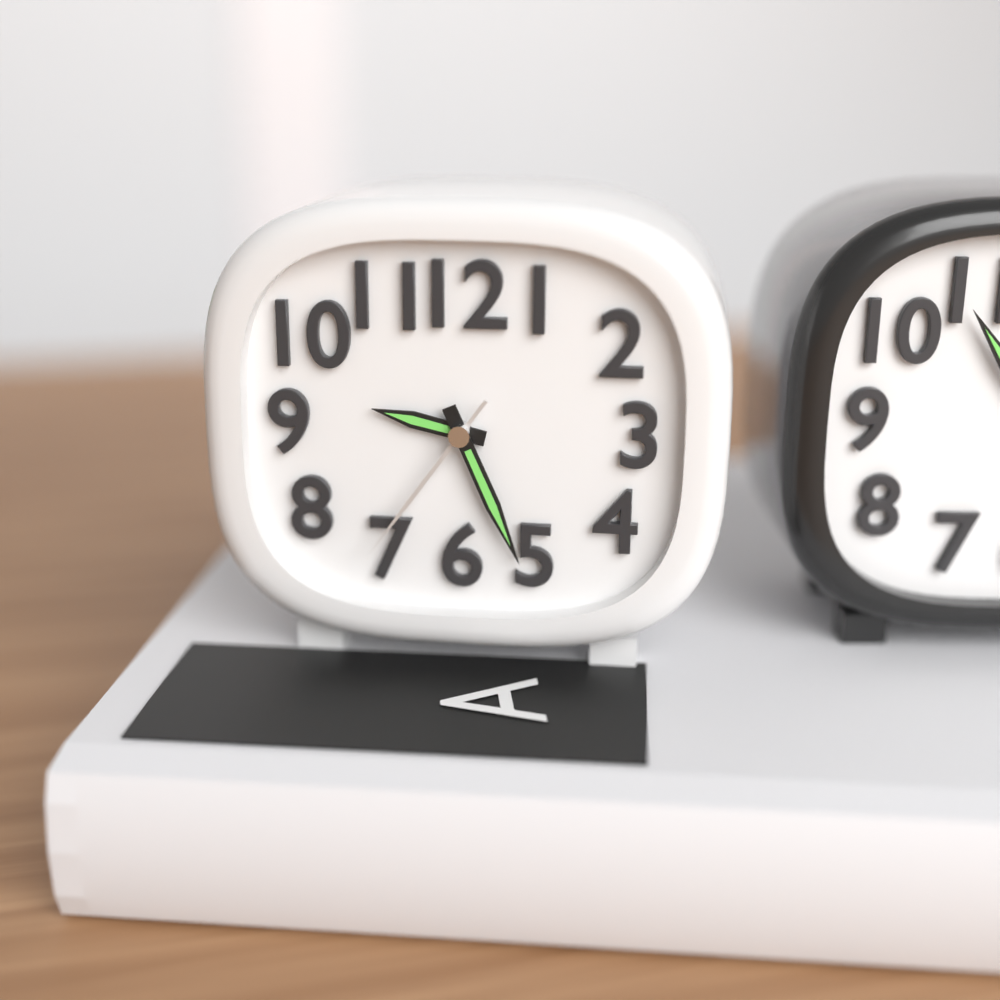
9:26:36
